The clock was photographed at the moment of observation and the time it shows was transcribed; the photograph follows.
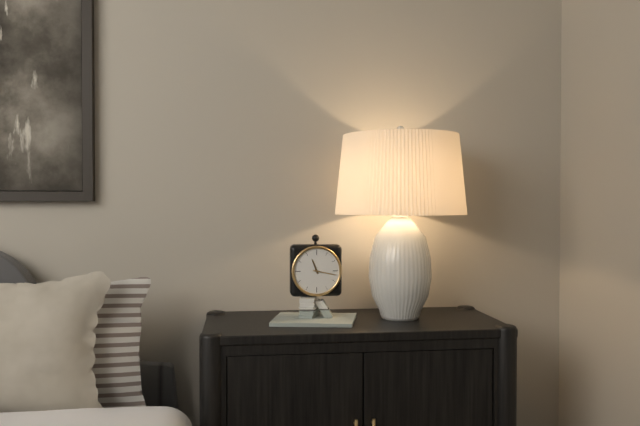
11:17
